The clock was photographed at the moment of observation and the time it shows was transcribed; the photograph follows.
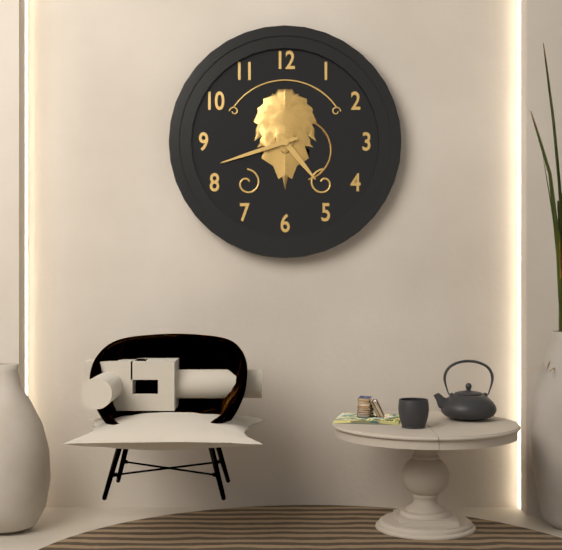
4:42
